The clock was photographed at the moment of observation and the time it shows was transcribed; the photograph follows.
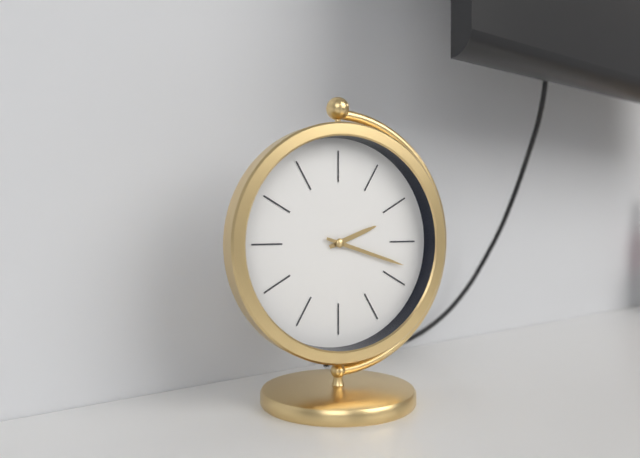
2:18
